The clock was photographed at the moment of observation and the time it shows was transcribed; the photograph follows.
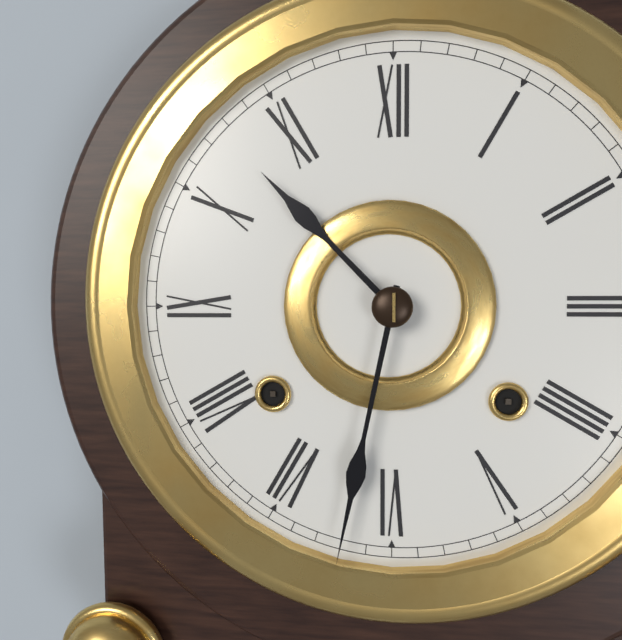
10:32
